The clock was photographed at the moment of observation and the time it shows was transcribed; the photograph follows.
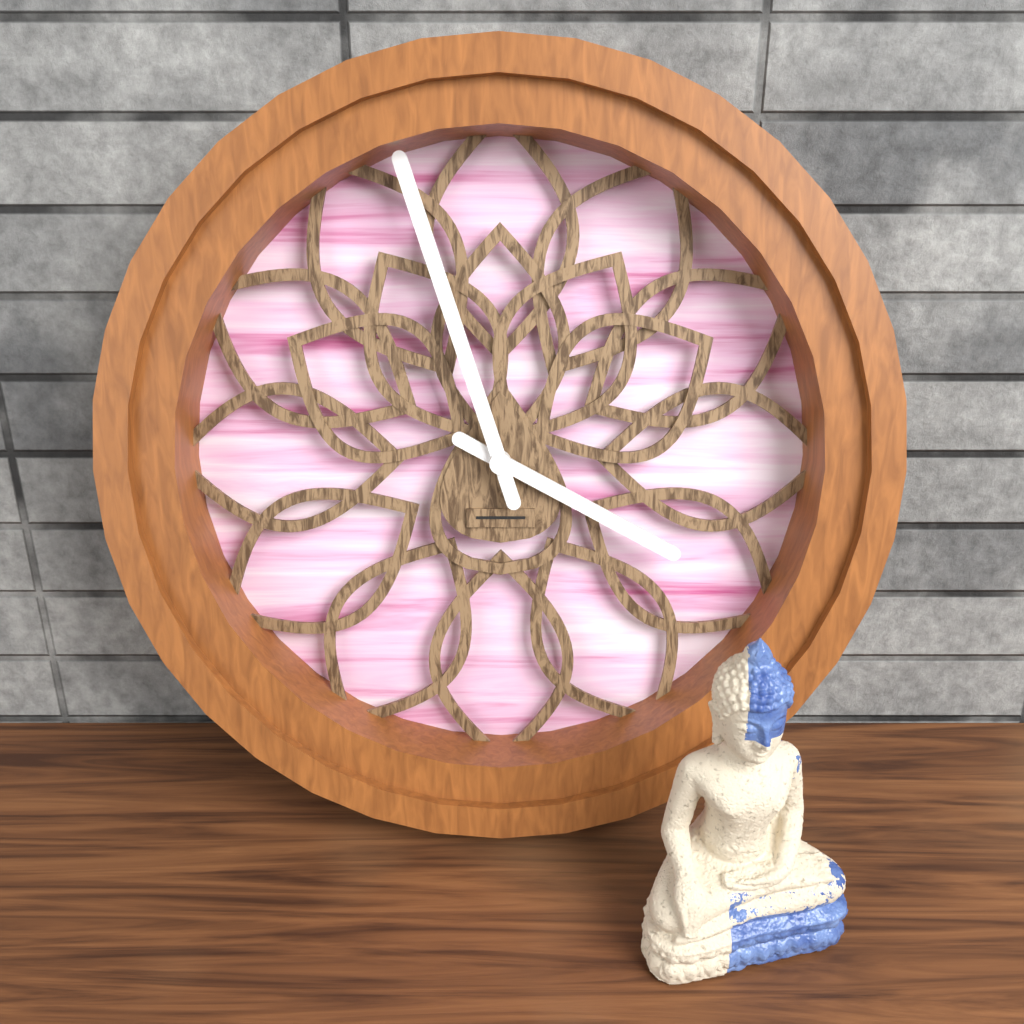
3:57
